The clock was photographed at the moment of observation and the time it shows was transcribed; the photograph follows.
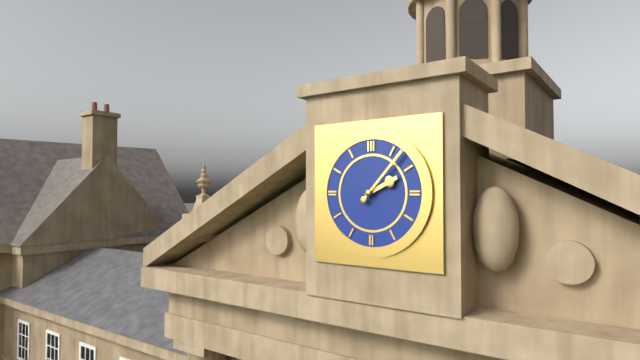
2:07
